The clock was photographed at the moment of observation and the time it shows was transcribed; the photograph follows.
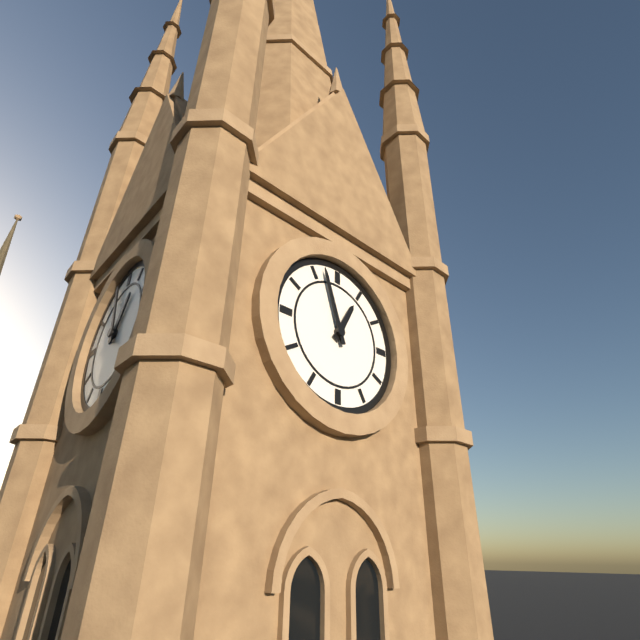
12:57
